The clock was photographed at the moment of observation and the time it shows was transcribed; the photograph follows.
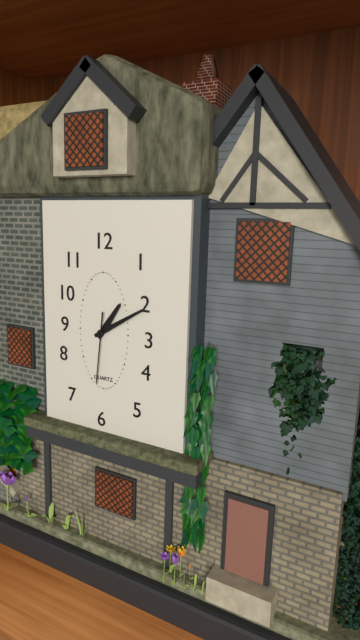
1:10:31
